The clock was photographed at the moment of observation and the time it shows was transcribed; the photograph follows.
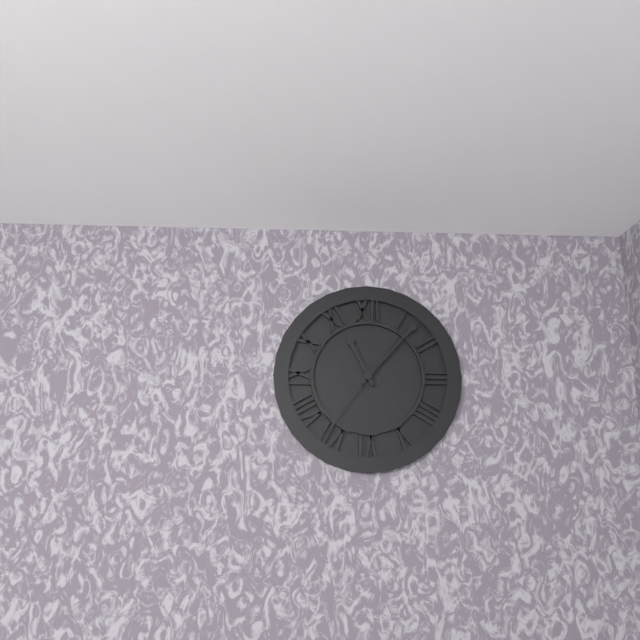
11:07:36
